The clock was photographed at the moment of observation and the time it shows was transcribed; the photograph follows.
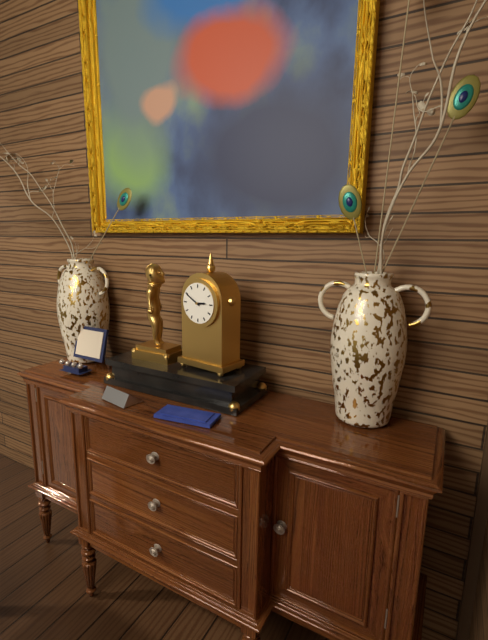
2:50
